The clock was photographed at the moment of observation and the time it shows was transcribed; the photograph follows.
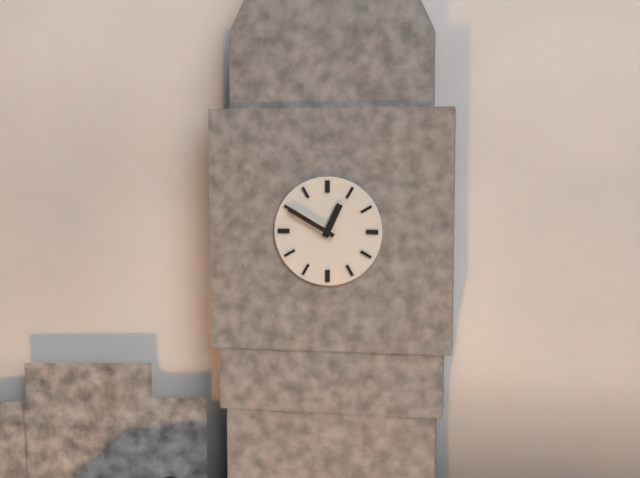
12:50
